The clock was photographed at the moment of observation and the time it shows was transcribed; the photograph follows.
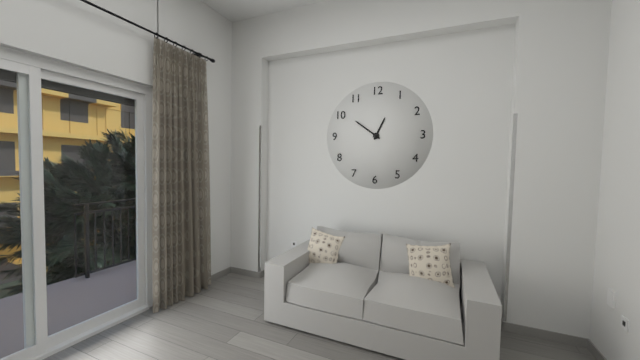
12:51
